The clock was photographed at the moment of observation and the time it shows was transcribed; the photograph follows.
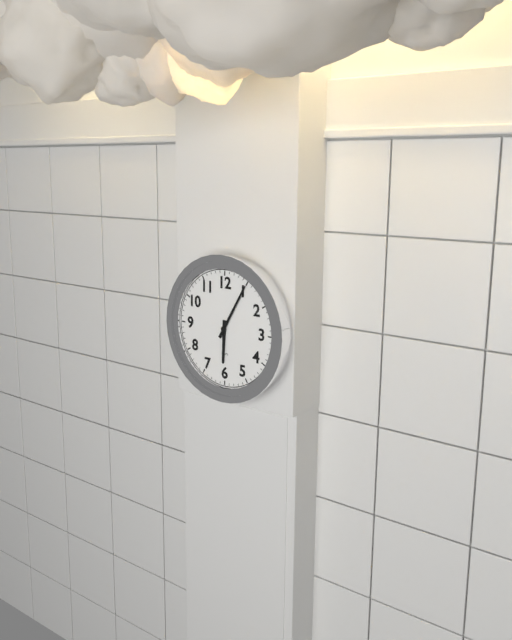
6:05
